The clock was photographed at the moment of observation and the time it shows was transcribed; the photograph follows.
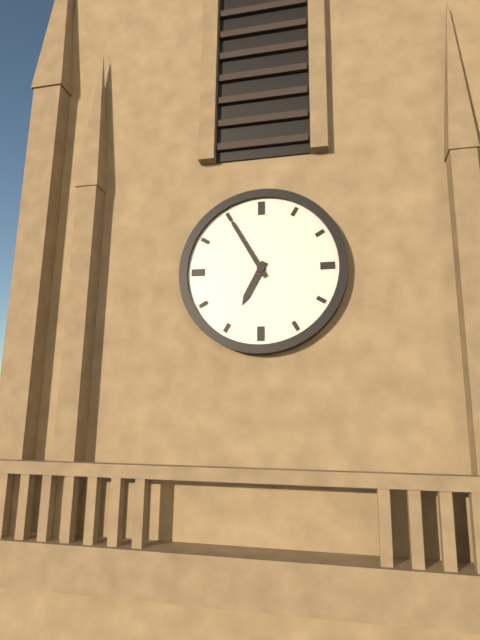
6:55
